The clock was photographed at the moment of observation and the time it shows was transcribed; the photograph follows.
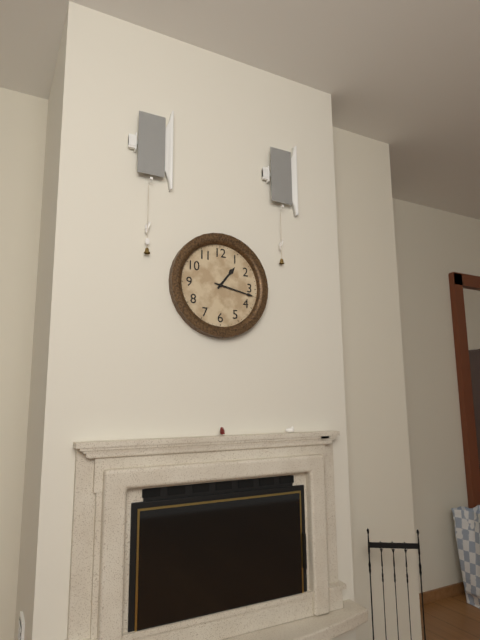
1:17
